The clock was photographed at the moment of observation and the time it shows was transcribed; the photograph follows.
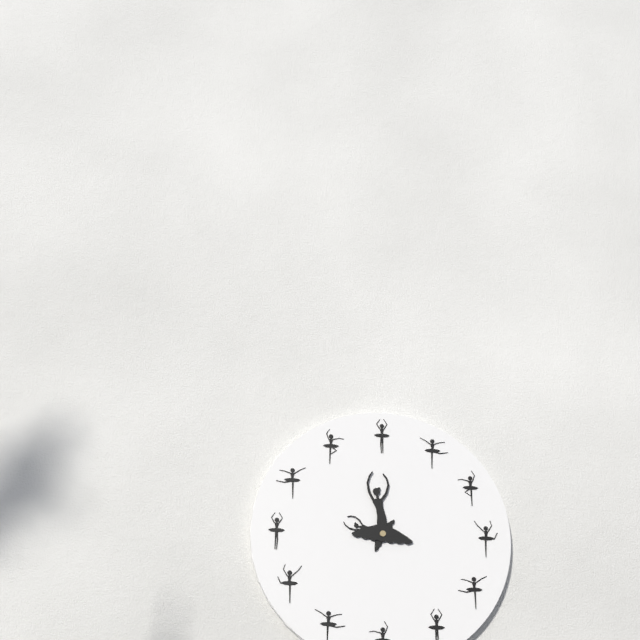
10:01
